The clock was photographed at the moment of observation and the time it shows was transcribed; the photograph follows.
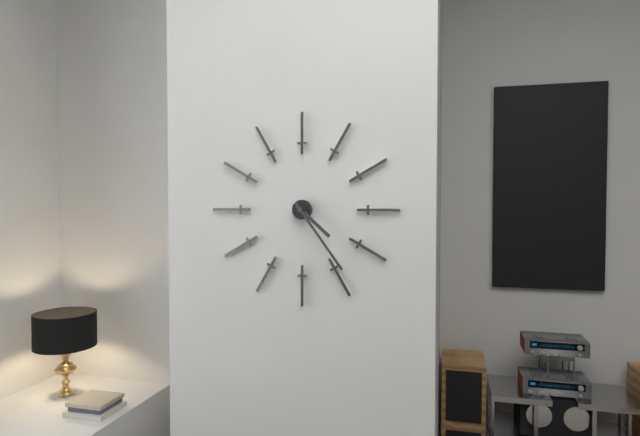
4:24
